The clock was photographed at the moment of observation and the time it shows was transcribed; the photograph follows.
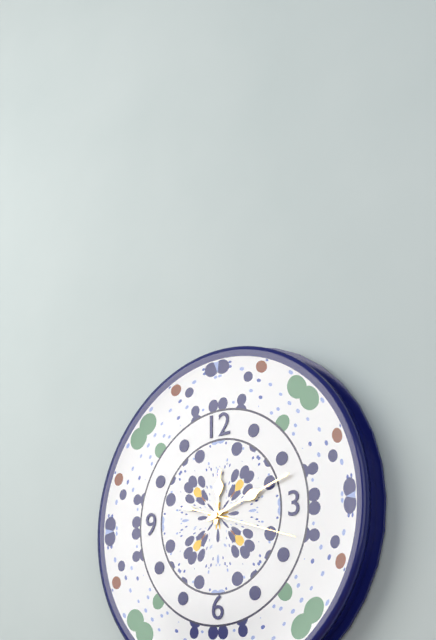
12:12:18
